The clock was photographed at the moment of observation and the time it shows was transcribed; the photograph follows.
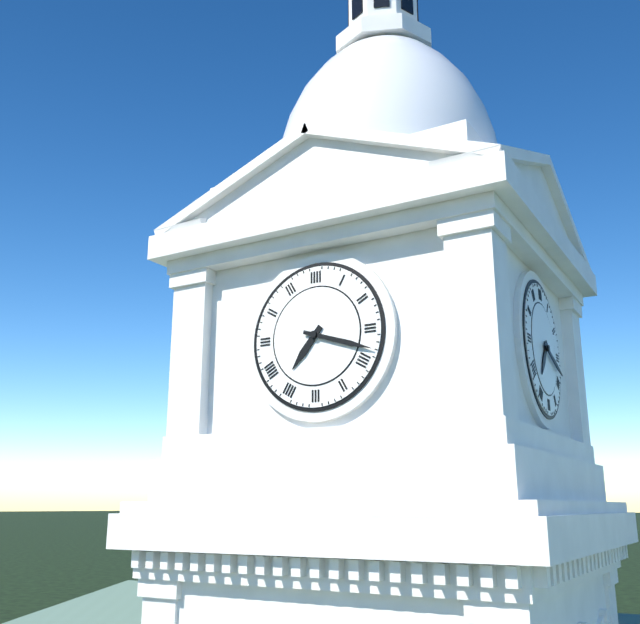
7:18
